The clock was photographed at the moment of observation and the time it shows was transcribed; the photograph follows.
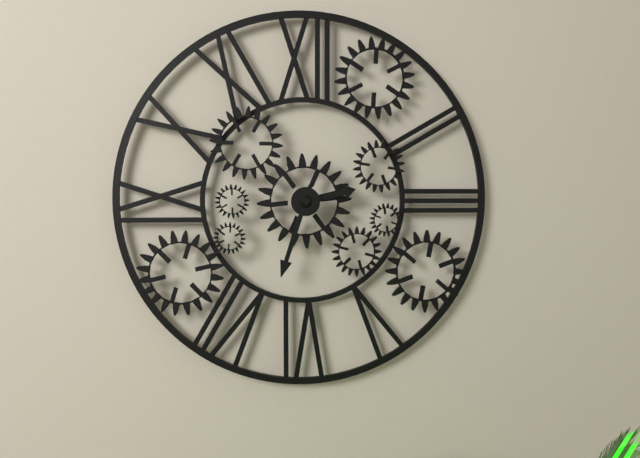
2:33
